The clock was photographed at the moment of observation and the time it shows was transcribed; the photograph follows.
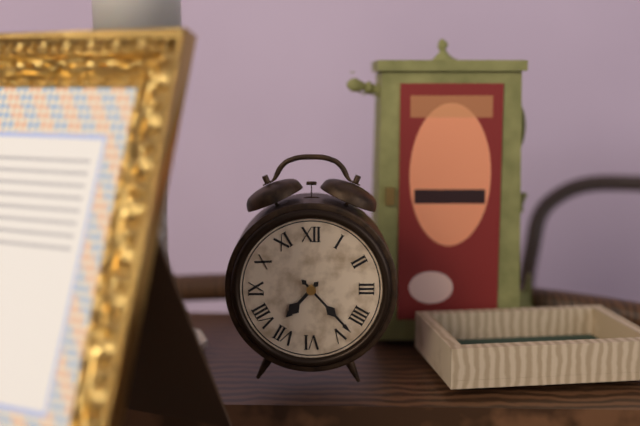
7:23
